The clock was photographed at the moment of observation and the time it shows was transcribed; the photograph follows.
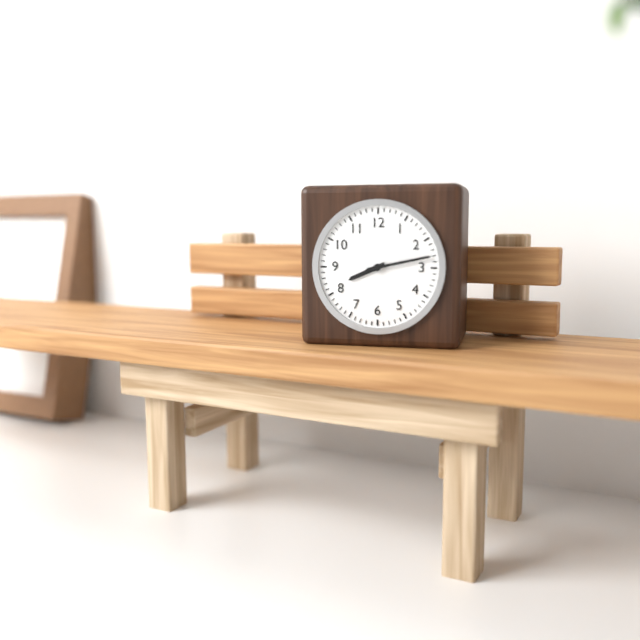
8:13
